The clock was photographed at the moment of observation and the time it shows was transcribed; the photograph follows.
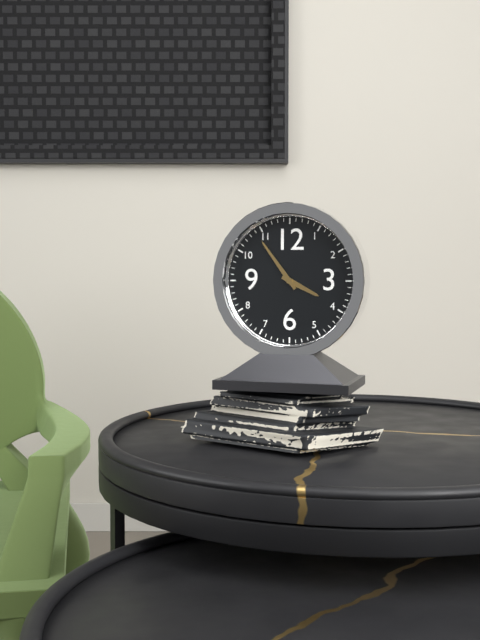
3:54
